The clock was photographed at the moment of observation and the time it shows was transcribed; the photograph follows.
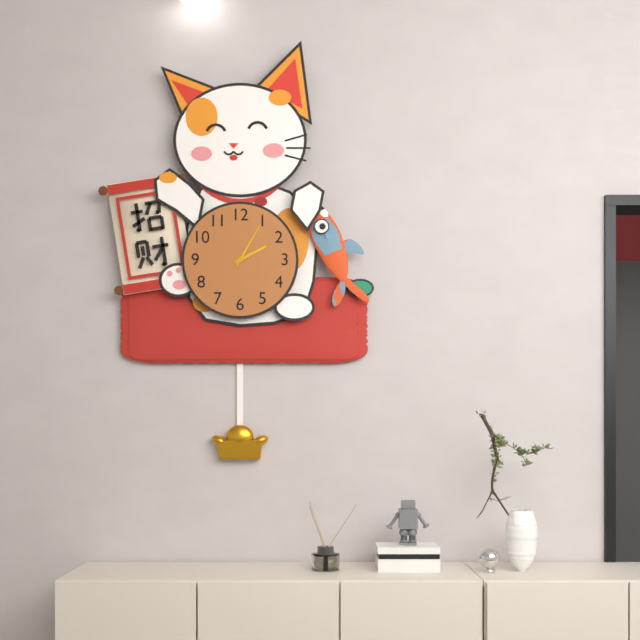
2:05
